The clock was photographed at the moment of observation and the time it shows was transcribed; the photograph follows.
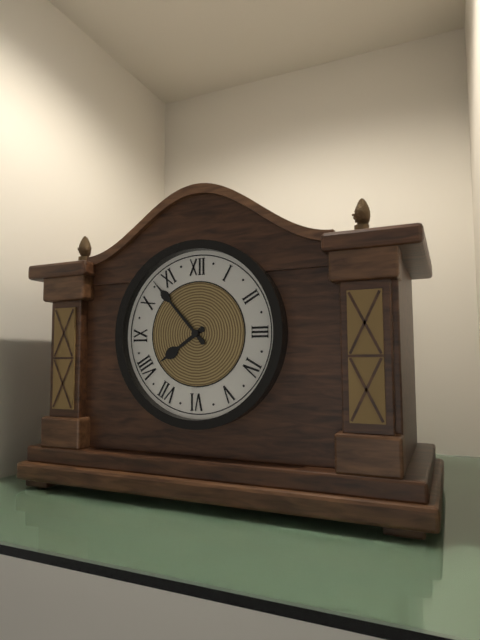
7:53
